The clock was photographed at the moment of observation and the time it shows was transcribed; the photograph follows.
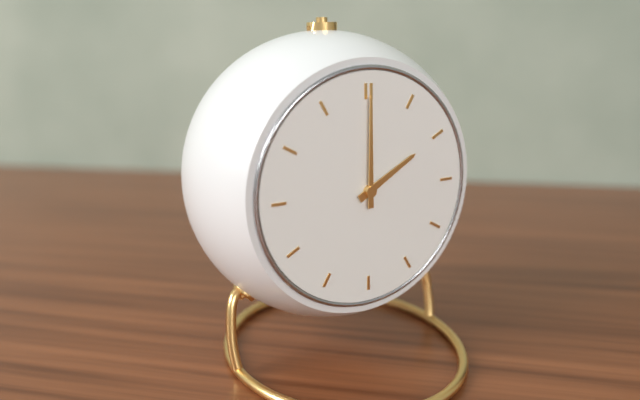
2:00
